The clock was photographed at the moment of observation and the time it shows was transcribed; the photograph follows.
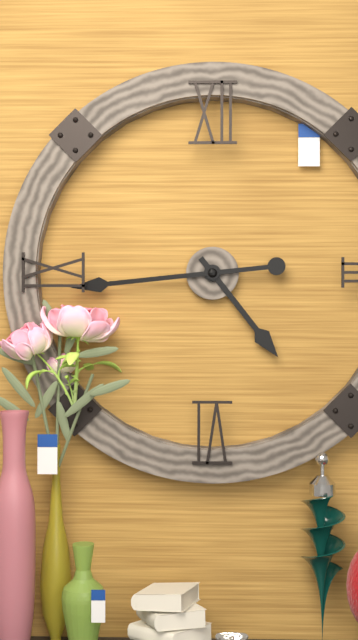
4:44
